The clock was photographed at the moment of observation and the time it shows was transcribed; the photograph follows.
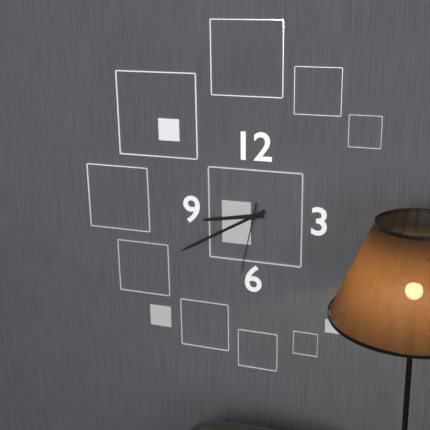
8:40:32
